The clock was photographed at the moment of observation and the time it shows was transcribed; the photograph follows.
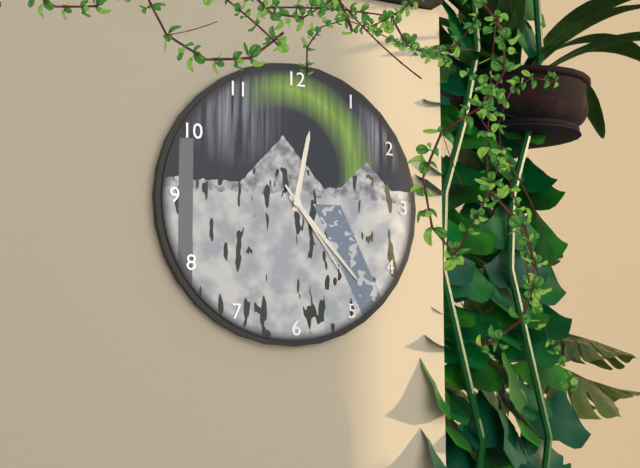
12:23:24
